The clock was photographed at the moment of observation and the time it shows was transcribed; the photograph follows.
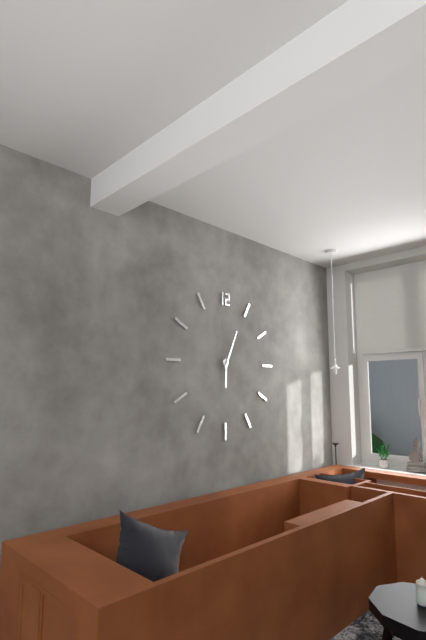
6:04
